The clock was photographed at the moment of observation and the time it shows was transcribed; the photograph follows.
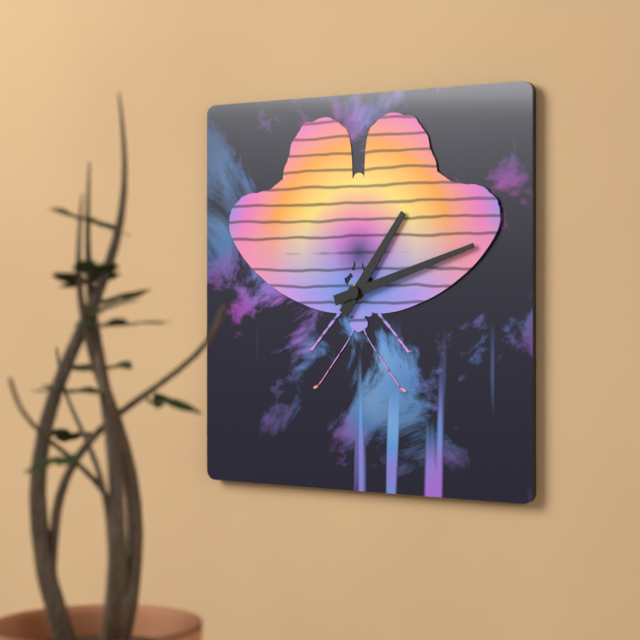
1:12
